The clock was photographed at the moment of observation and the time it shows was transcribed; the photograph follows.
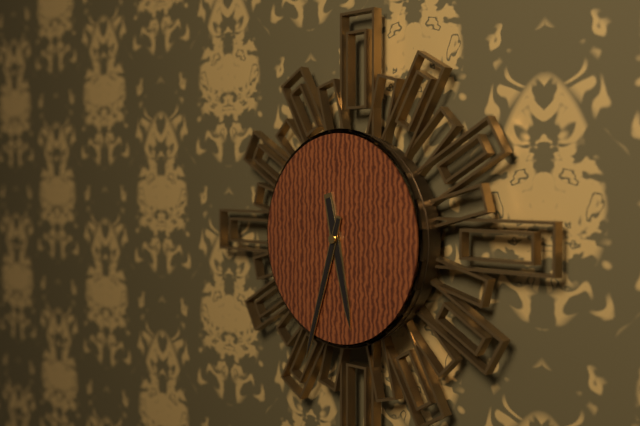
5:33
